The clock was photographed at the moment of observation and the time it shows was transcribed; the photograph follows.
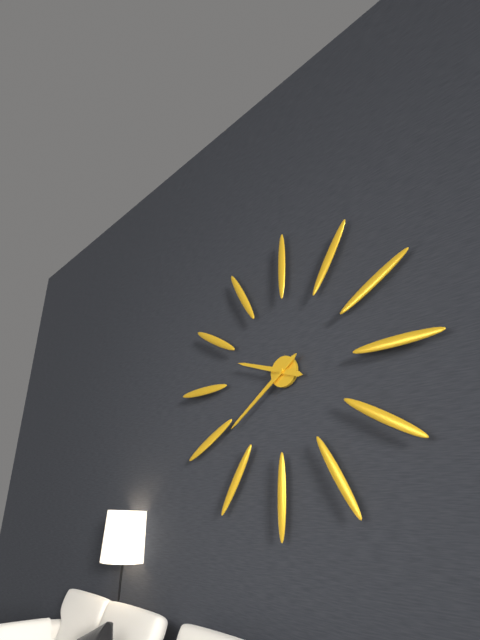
9:39
